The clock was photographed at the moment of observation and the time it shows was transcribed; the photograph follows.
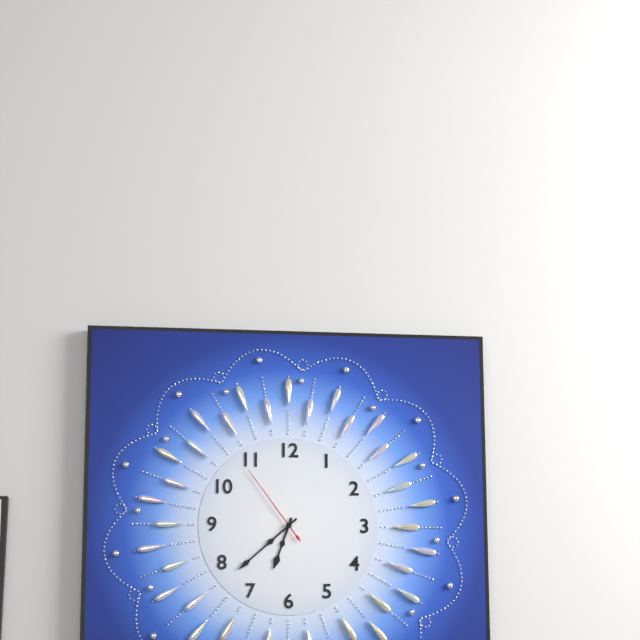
6:38:54
